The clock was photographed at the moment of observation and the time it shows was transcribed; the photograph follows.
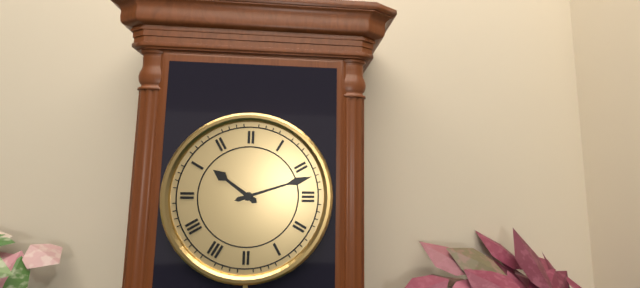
10:12
